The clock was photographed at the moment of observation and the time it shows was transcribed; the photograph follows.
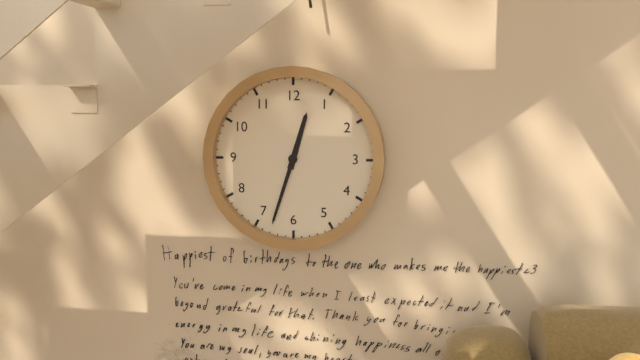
12:33
